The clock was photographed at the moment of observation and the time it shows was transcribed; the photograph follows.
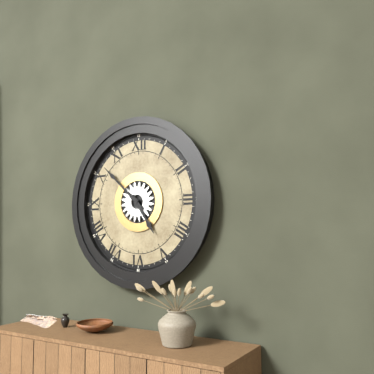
4:52
